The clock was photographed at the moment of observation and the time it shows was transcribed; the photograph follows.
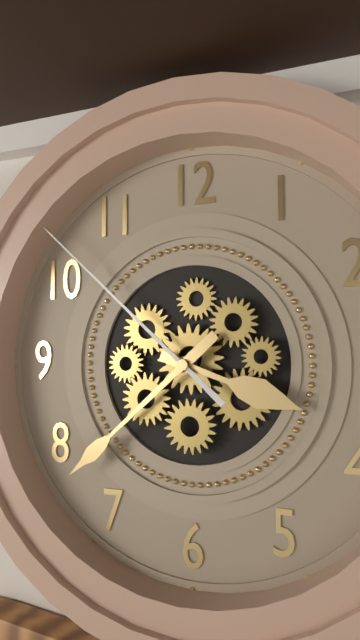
3:38:52
